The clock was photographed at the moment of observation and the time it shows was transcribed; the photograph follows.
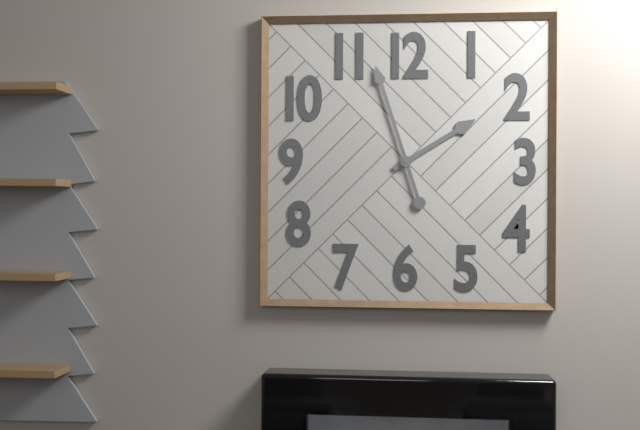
1:57
